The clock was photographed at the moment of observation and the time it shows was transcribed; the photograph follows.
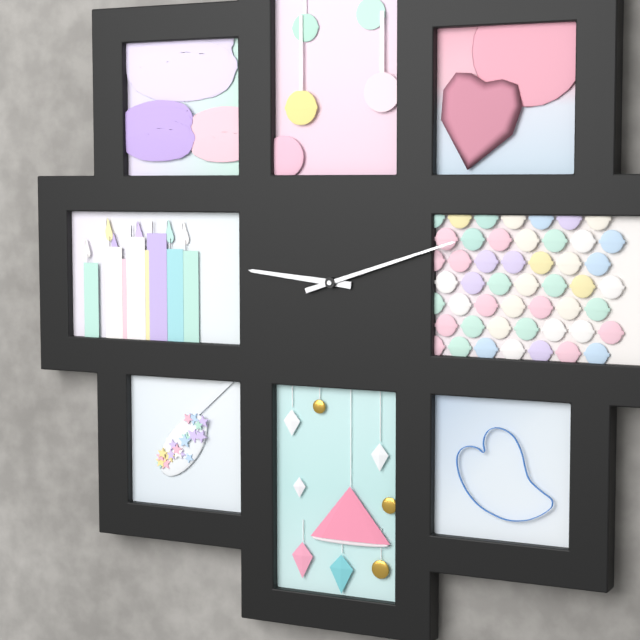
9:12
